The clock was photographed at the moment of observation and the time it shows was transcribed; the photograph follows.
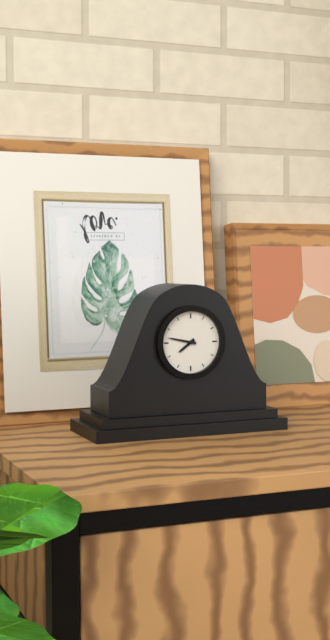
7:47
